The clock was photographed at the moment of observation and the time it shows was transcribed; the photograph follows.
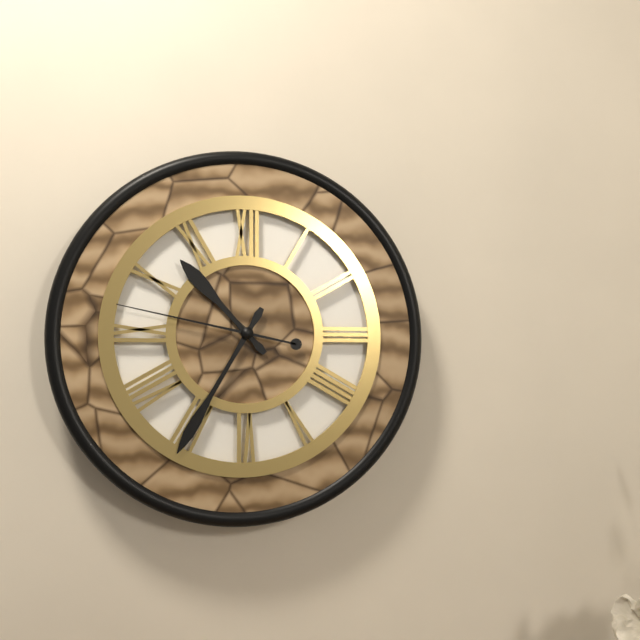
10:35:47
